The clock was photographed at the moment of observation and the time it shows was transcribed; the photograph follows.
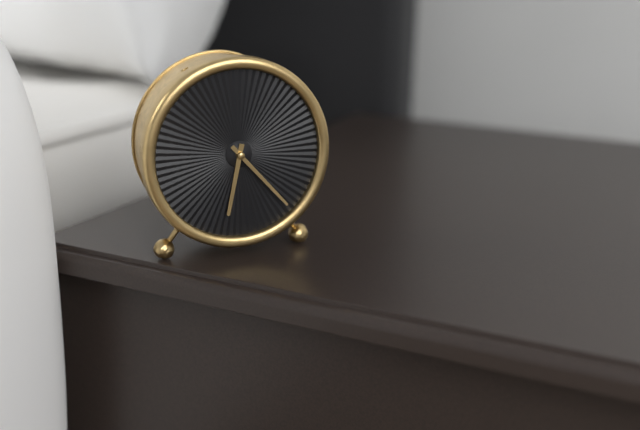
6:23
